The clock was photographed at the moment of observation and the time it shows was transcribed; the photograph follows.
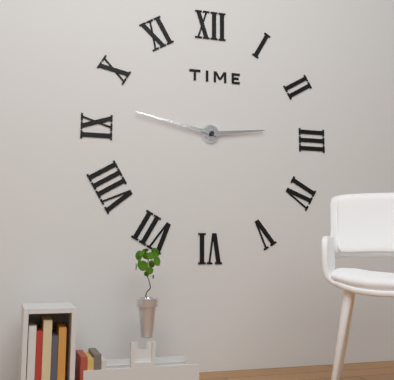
2:47
